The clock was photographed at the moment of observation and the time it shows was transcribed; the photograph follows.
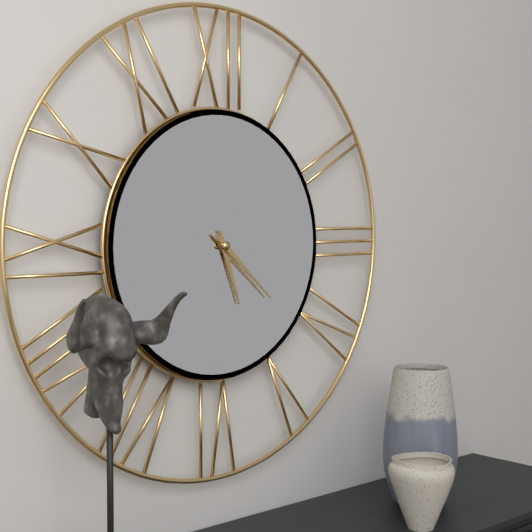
5:22
